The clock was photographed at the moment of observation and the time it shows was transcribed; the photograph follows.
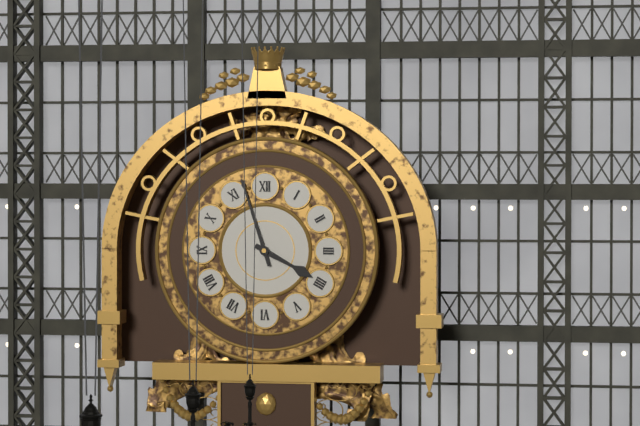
3:57
